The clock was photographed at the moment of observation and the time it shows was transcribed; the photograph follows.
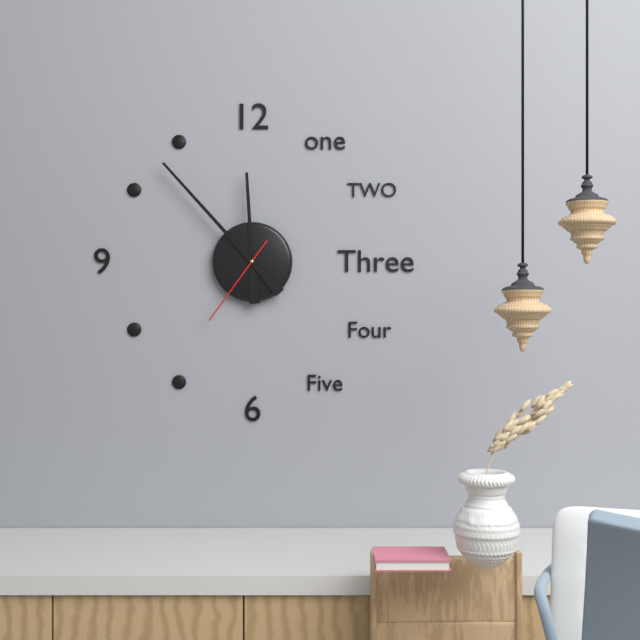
11:53:36
